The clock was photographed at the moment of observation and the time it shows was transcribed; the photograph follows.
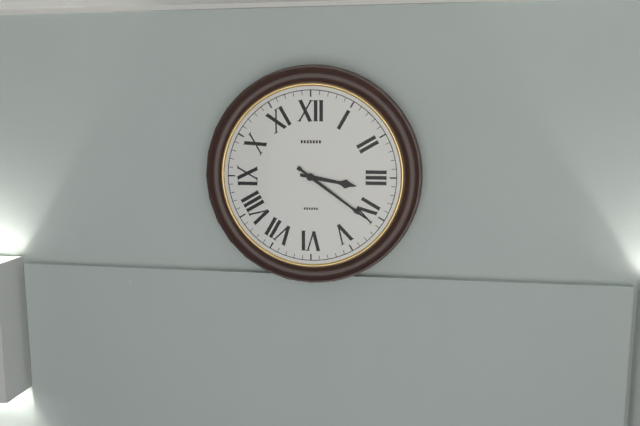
3:21
